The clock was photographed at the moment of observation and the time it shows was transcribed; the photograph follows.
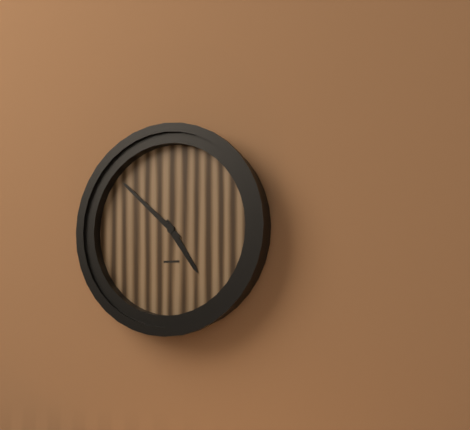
4:52
